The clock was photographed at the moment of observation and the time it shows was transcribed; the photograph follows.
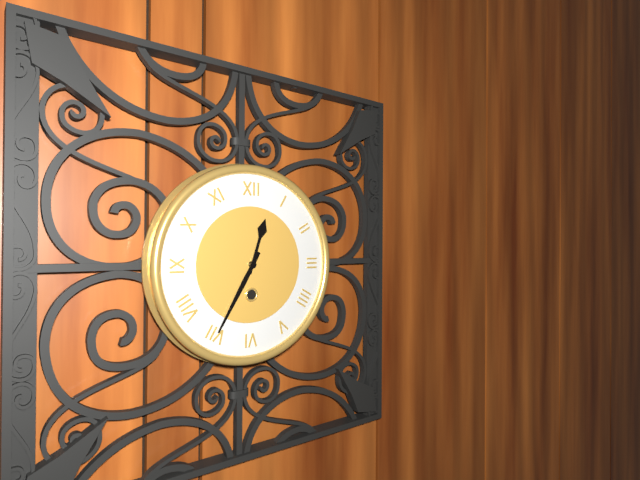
12:35
